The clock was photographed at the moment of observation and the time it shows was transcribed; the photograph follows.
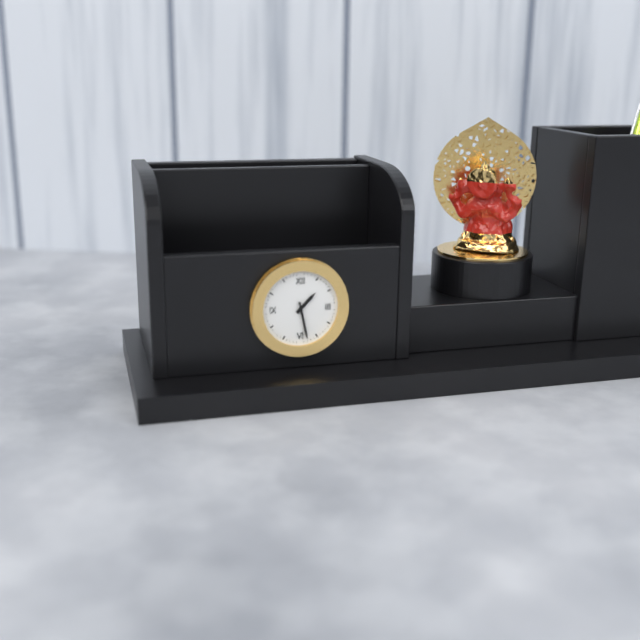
1:28
